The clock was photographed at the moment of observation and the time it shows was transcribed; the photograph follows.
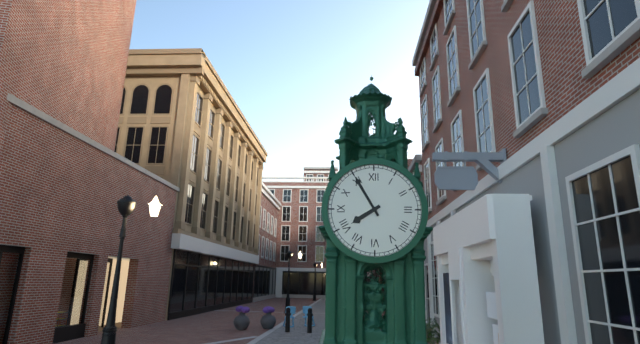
7:55
